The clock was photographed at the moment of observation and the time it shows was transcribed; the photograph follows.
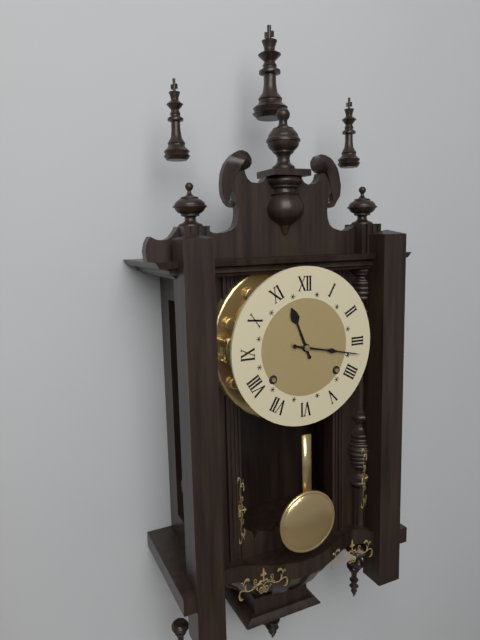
11:17
